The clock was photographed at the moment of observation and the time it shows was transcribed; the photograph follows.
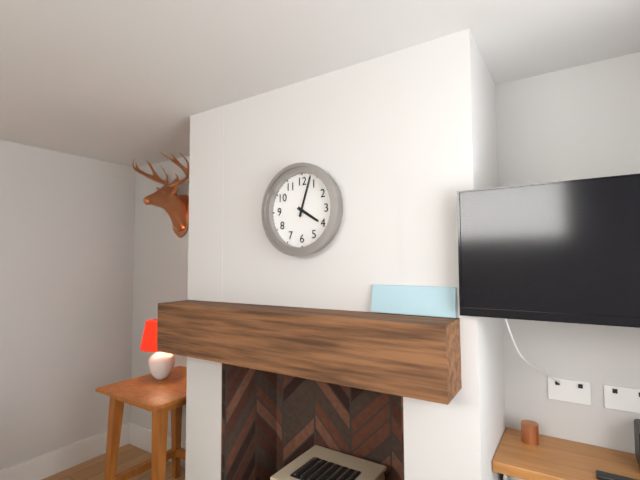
4:03
